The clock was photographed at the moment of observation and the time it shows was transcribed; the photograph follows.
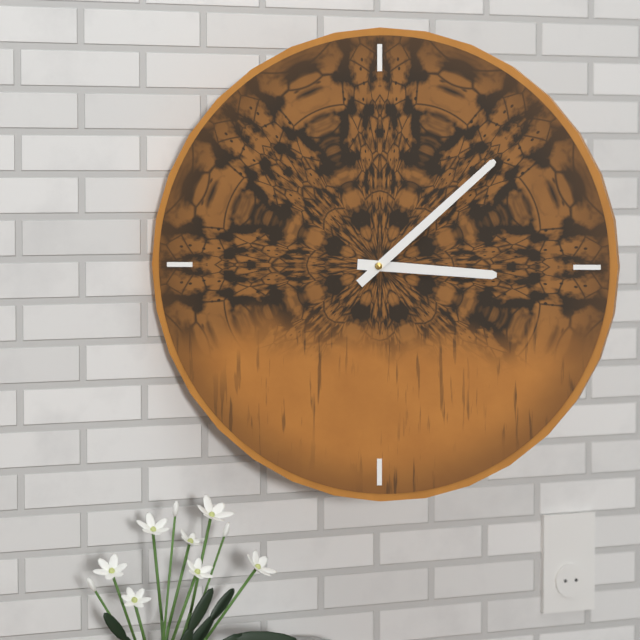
3:08
